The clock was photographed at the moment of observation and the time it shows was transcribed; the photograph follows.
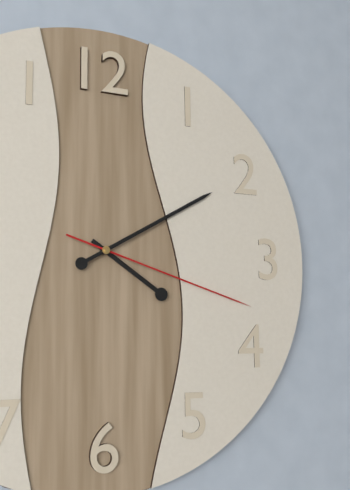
4:10:18
